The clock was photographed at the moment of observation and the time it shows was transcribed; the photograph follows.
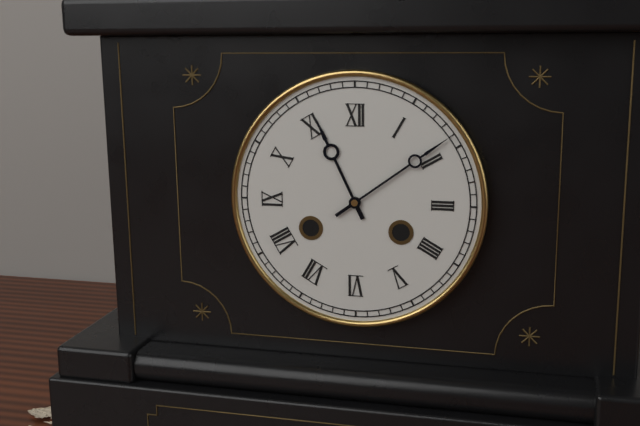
11:09
